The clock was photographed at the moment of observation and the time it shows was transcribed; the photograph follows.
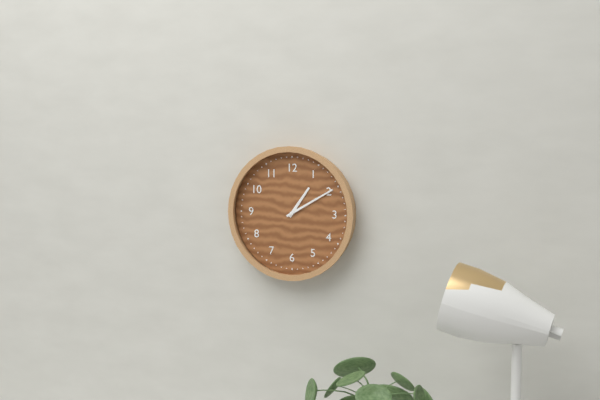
1:10
